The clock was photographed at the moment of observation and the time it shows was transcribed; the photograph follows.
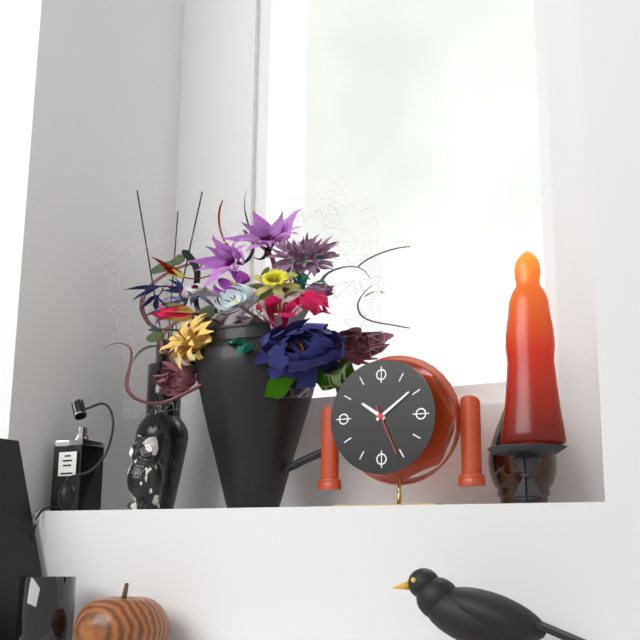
10:09:26
